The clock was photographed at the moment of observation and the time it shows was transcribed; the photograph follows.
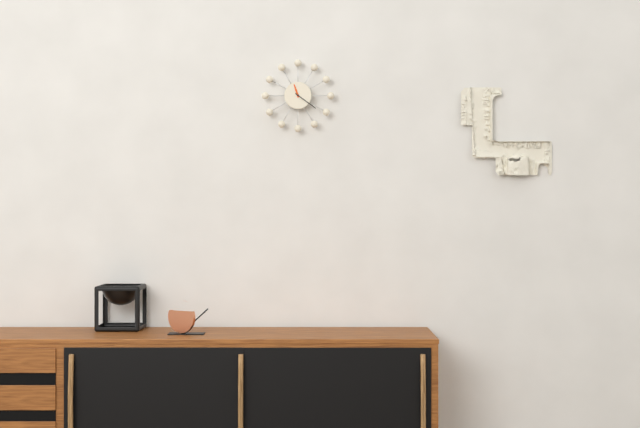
11:21
